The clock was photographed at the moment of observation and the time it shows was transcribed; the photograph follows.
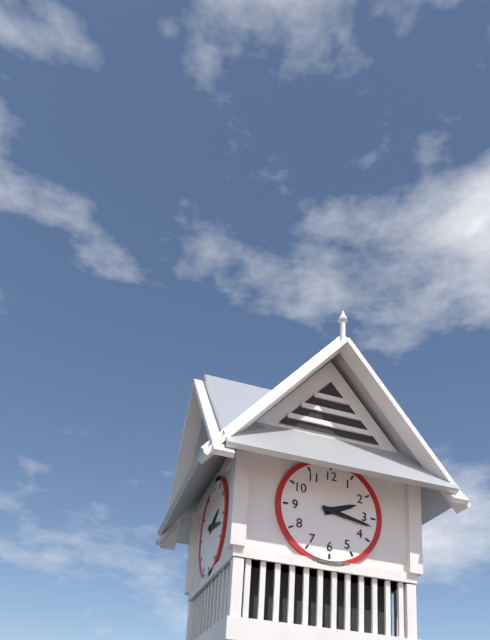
2:17
